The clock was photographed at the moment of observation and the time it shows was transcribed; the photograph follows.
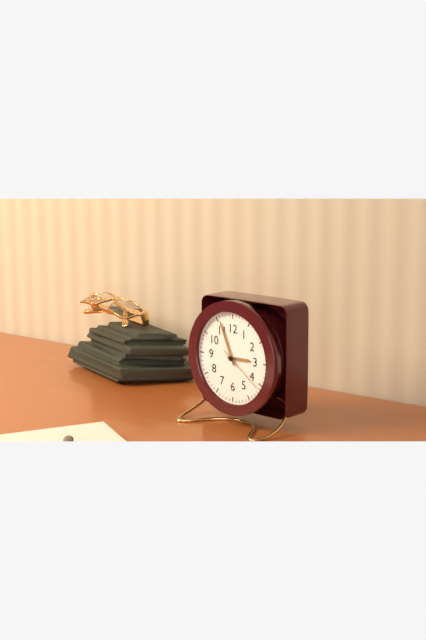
2:56
